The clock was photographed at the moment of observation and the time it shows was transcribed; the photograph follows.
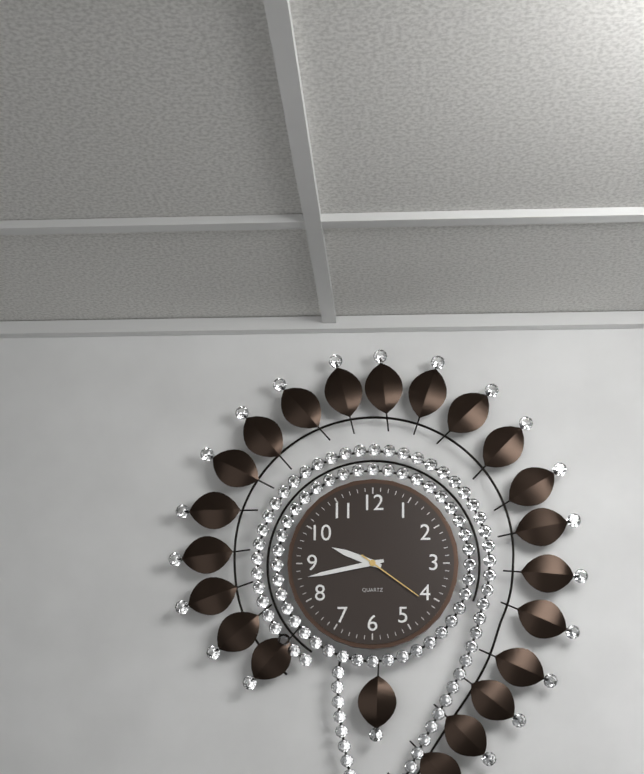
9:43:21
